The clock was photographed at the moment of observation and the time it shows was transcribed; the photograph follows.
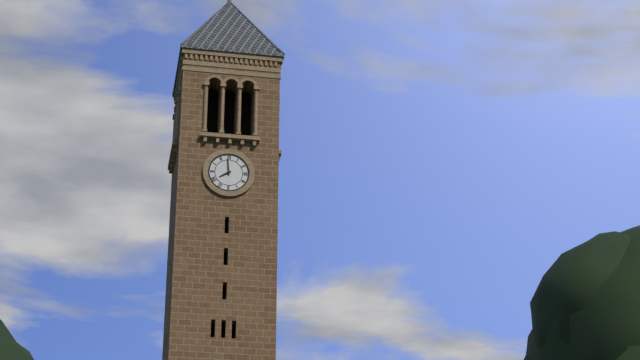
7:59
